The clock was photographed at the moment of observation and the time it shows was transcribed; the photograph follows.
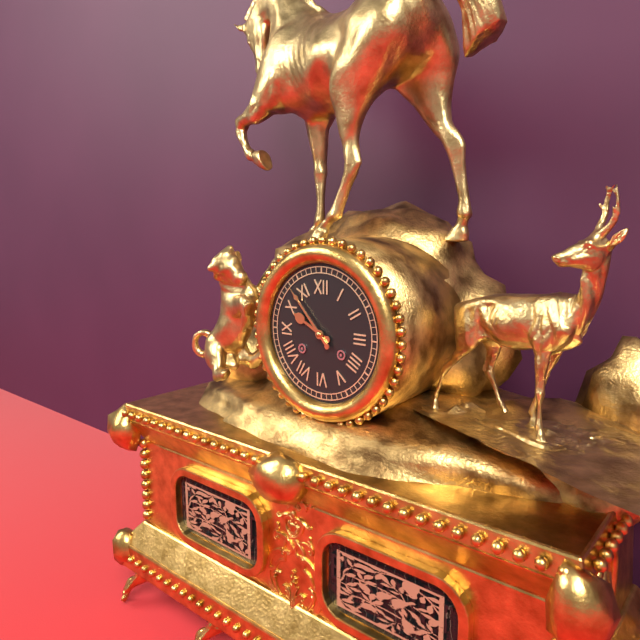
9:53
